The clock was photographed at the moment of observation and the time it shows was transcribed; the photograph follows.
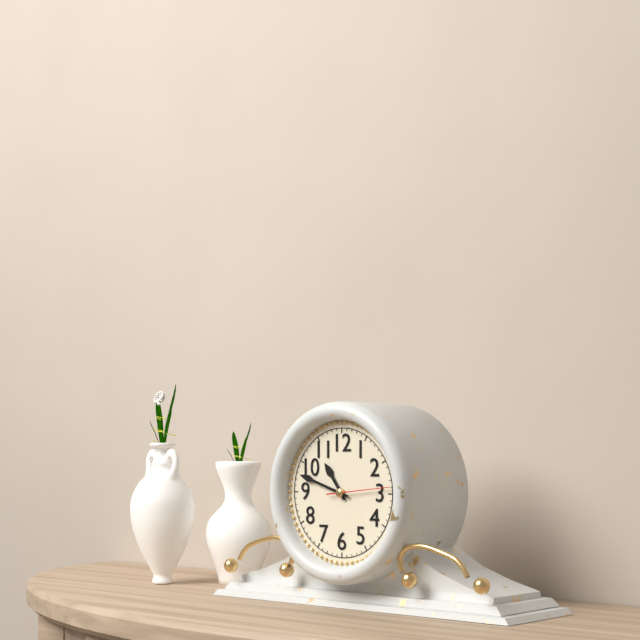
10:48:14
